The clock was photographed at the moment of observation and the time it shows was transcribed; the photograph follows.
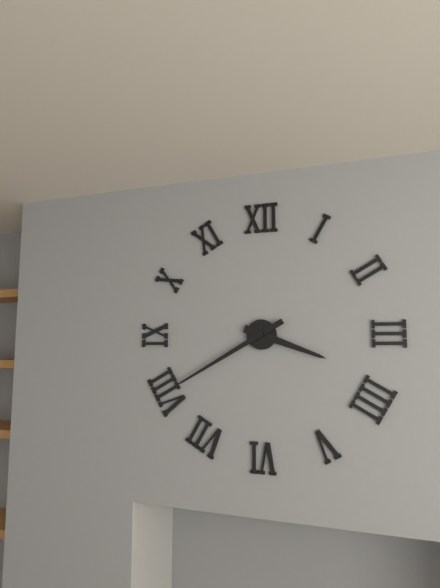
3:40
